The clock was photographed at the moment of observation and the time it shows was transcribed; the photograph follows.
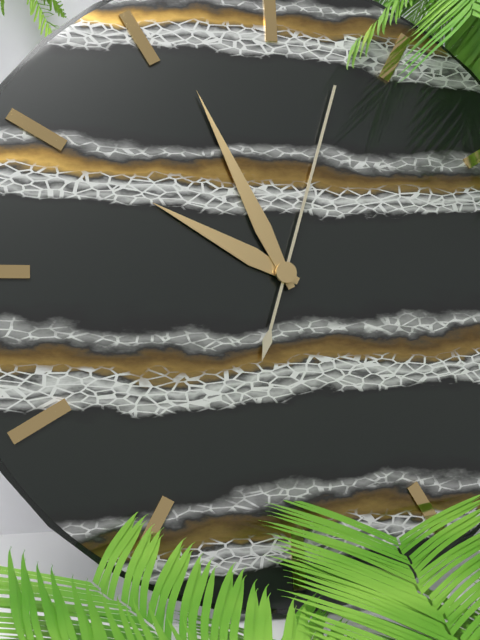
9:56:03
